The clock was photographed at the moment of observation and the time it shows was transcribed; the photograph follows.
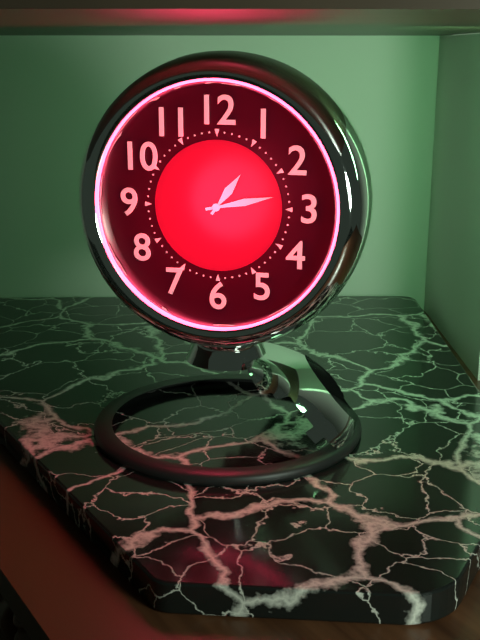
1:13
